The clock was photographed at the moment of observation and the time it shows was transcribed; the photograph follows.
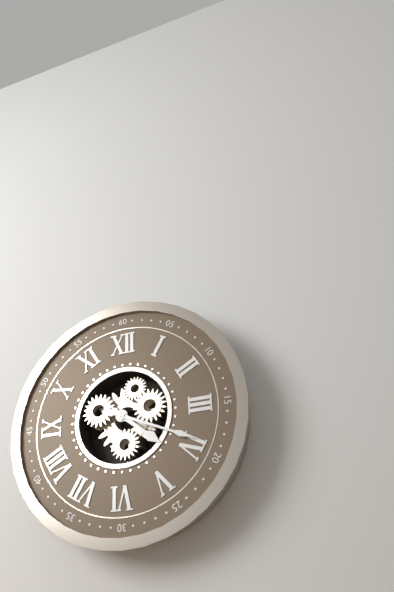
4:19
